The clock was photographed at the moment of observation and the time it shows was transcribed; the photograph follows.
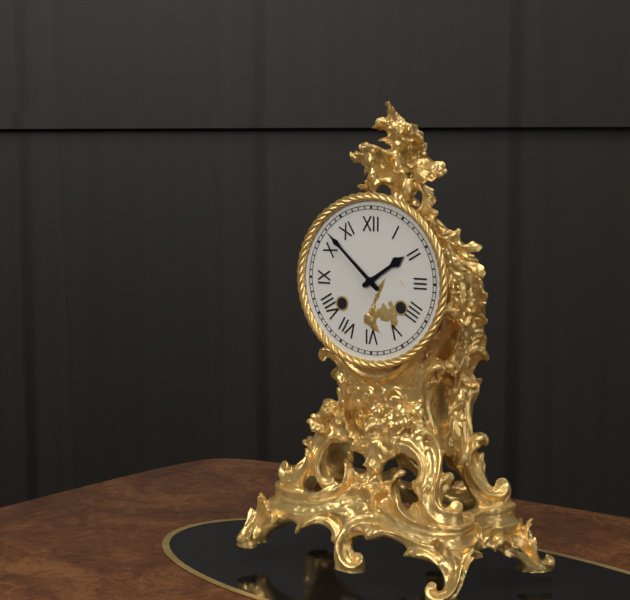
1:52
